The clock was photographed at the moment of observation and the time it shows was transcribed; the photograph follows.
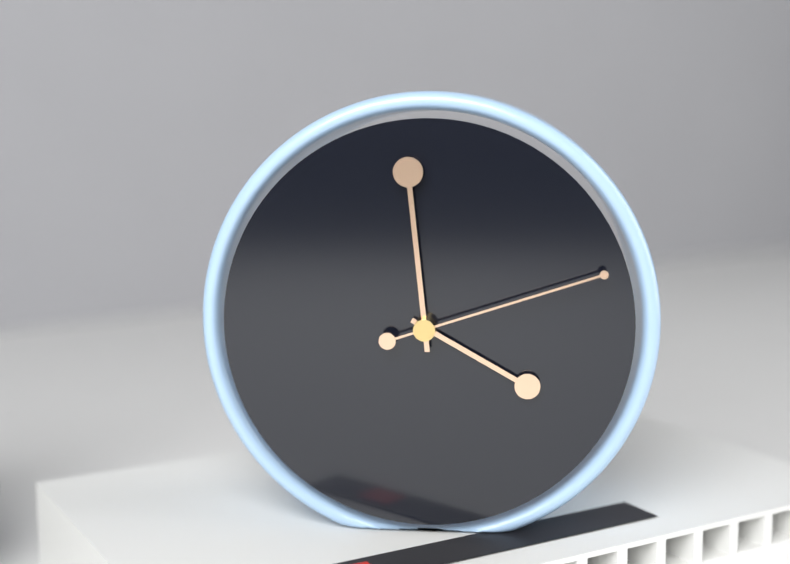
3:59:12
